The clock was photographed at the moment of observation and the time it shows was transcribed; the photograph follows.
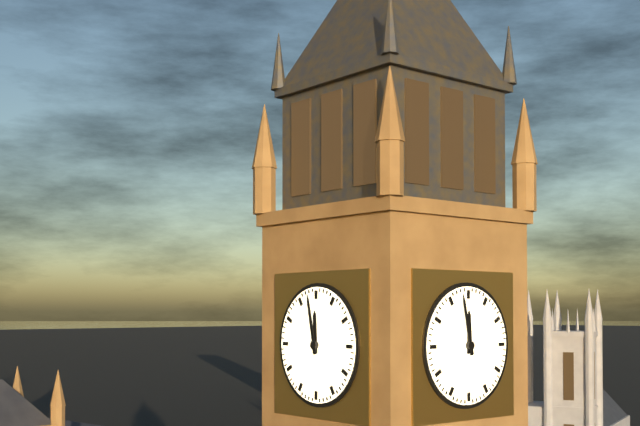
11:58
